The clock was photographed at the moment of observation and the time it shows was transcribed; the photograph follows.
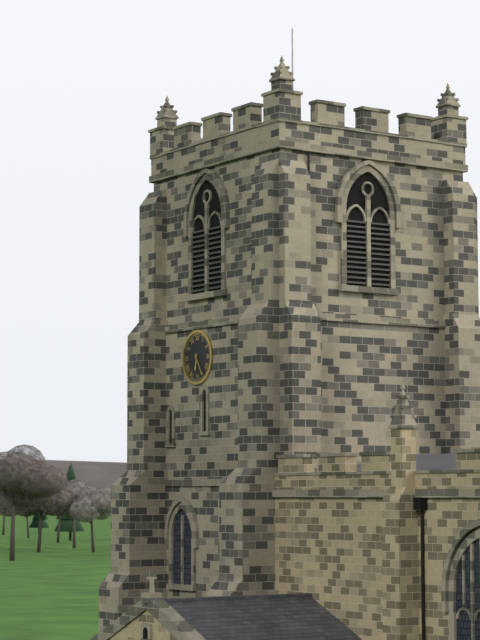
6:25
